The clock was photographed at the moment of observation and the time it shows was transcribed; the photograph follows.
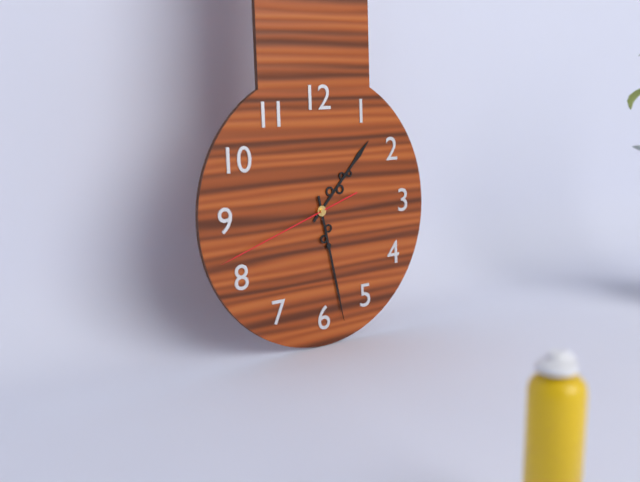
1:28:42
